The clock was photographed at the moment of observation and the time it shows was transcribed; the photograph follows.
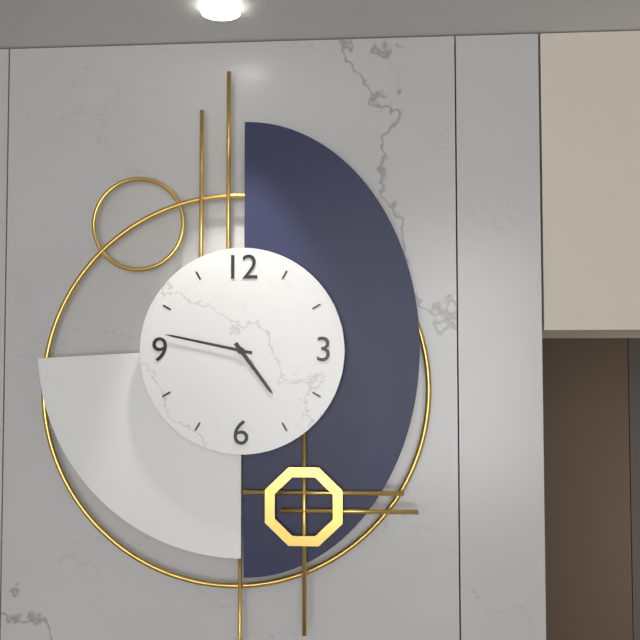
4:47
